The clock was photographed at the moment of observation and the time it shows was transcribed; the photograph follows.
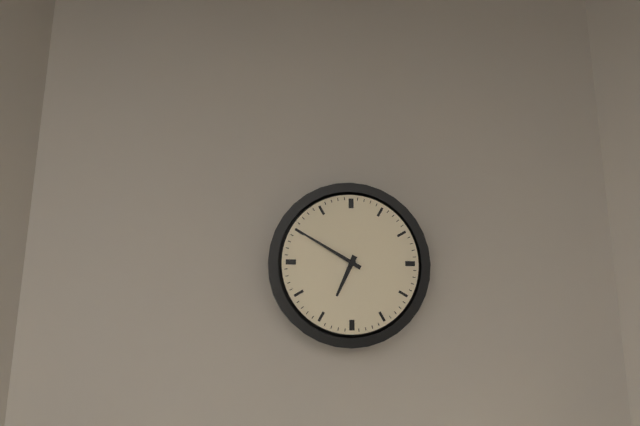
6:50
